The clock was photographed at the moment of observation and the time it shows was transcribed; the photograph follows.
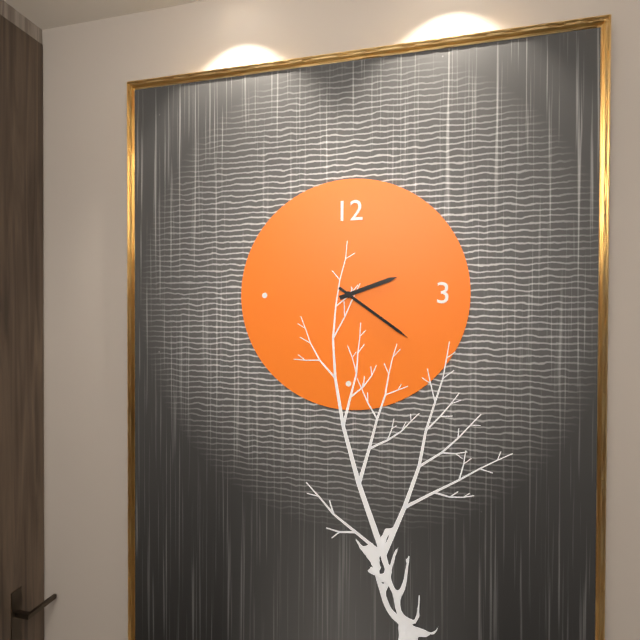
2:21
